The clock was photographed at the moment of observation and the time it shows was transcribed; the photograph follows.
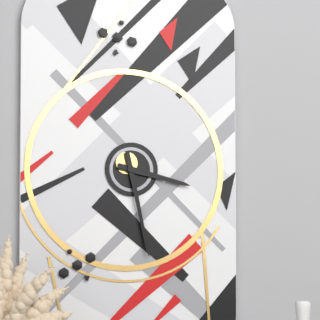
3:28
